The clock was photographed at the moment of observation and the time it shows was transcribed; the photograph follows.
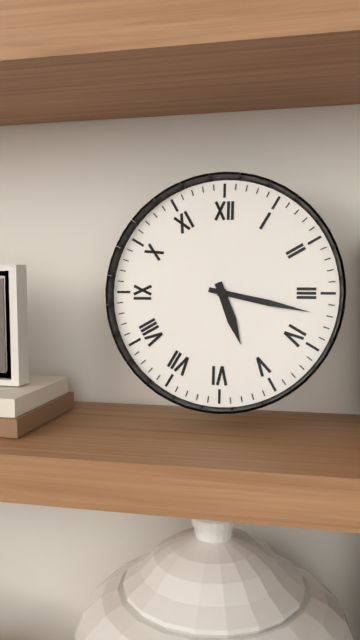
5:17
